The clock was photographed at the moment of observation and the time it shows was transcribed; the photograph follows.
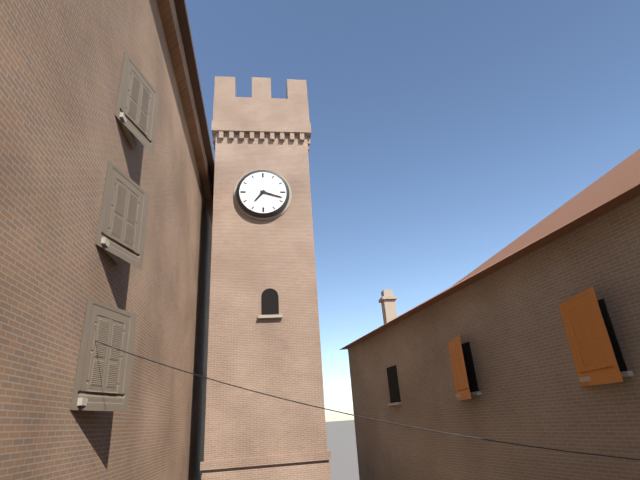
7:18
